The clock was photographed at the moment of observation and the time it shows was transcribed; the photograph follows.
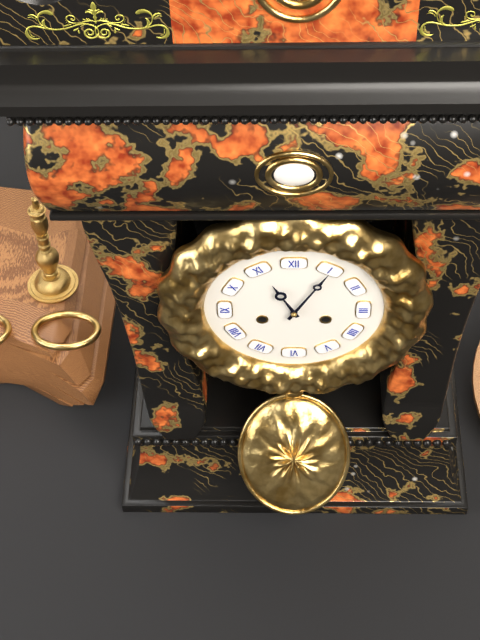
11:05
